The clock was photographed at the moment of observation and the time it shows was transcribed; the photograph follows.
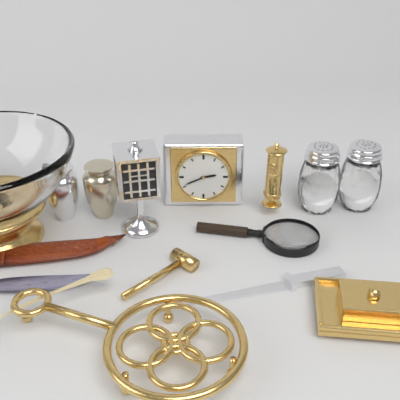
2:41
